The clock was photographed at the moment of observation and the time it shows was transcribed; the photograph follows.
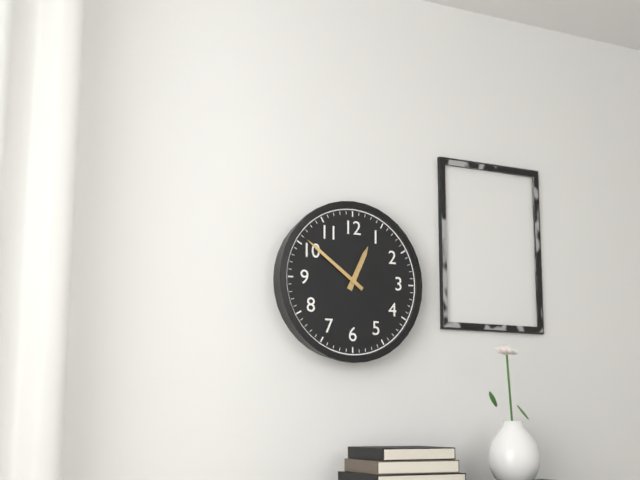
12:51
